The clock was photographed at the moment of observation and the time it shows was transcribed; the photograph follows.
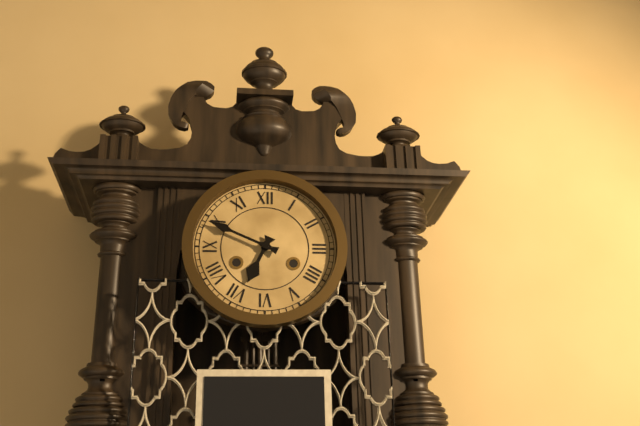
6:49
